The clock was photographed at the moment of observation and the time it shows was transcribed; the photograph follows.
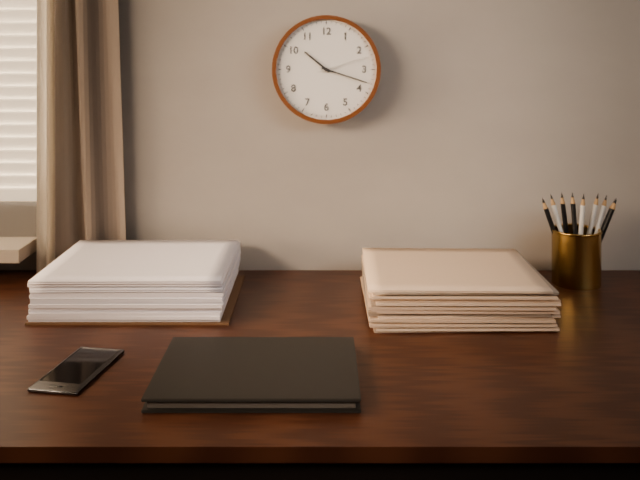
10:18:12
